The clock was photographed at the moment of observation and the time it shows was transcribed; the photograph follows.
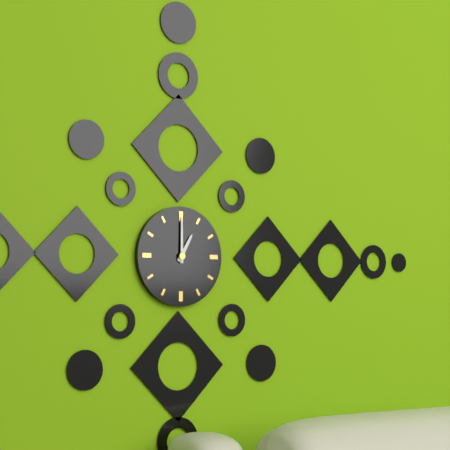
1:00
